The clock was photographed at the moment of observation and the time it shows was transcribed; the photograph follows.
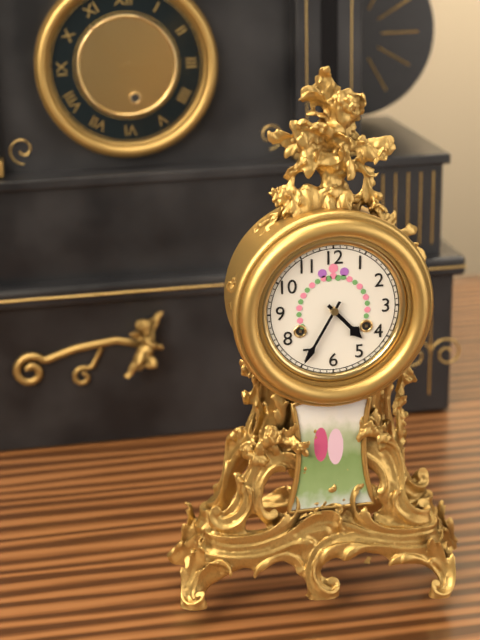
4:35
